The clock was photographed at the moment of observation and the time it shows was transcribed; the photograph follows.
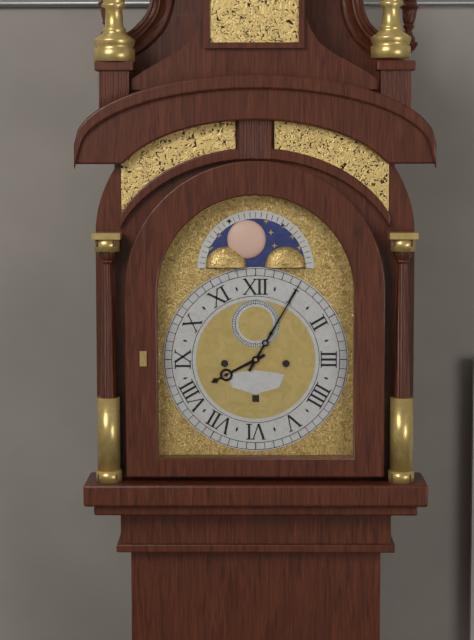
8:05
